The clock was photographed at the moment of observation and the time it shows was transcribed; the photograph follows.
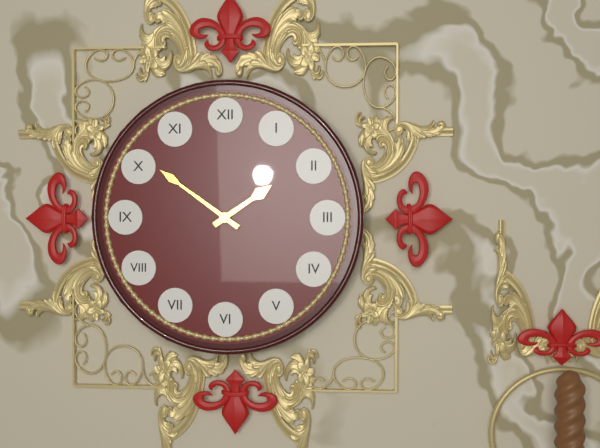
1:51
